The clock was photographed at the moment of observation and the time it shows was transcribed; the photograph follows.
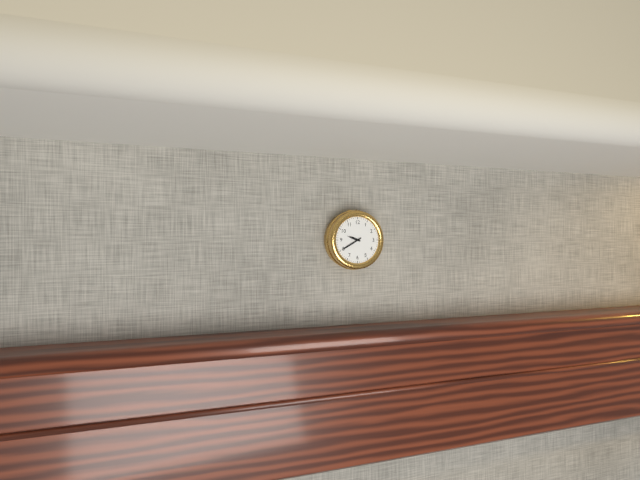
9:40
